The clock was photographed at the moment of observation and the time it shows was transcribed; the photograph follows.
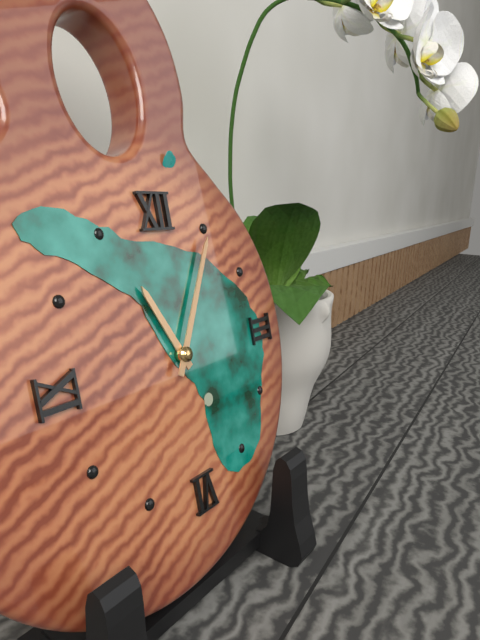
11:05
